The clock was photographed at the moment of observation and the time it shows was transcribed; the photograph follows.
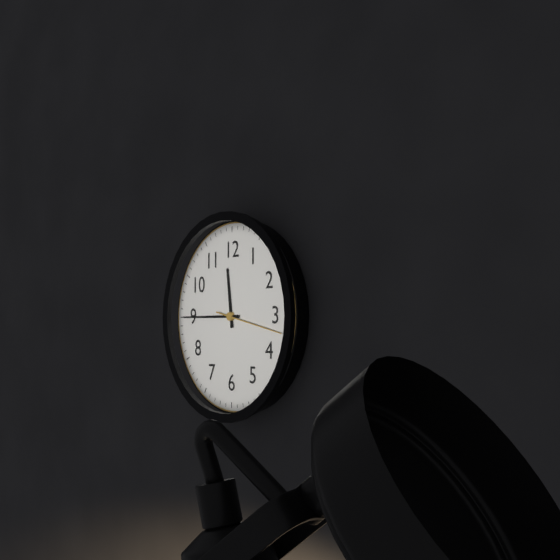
11:45:17
